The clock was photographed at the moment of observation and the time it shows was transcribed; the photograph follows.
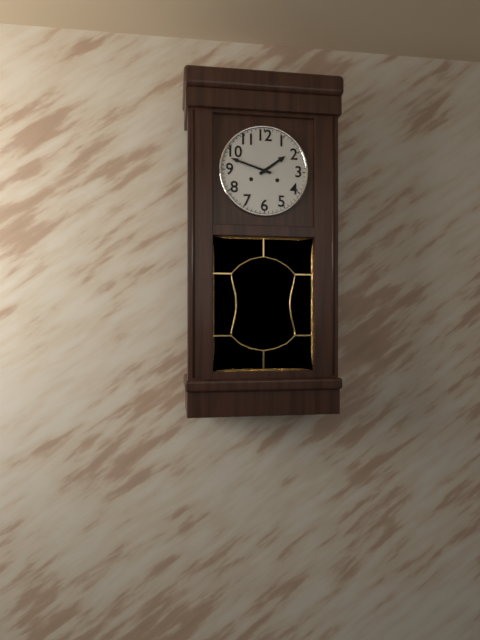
1:48
